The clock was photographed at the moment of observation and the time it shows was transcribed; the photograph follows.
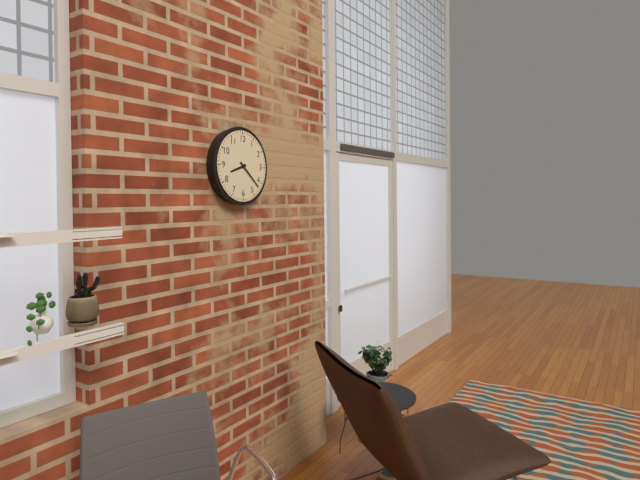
8:22
